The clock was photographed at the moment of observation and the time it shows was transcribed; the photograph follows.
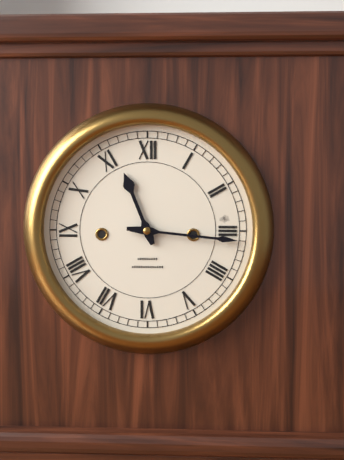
11:16
